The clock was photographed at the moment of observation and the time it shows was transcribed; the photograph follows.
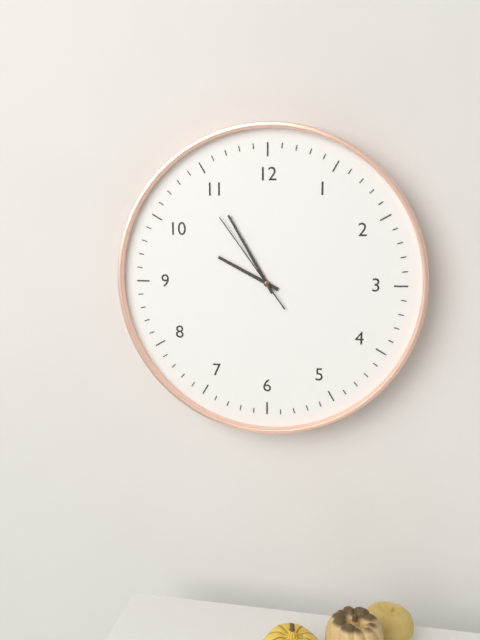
9:55:54
